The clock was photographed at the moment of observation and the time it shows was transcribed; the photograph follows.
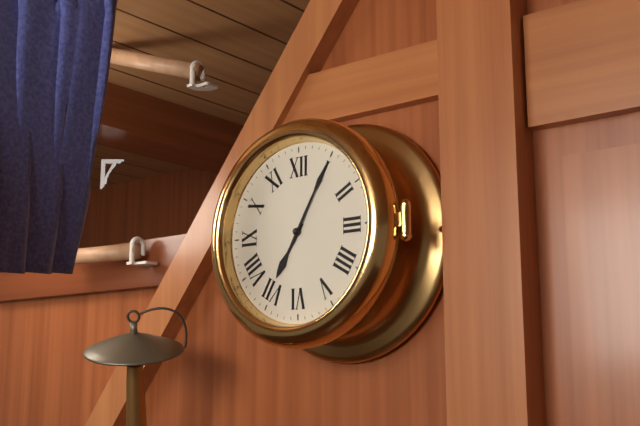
7:05
